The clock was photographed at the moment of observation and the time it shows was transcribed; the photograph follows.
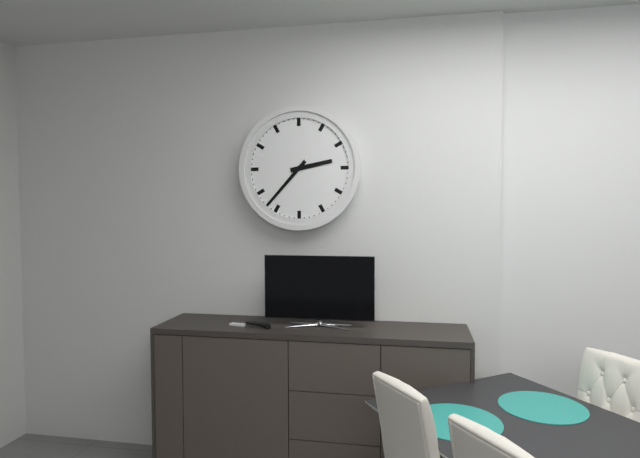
2:37
